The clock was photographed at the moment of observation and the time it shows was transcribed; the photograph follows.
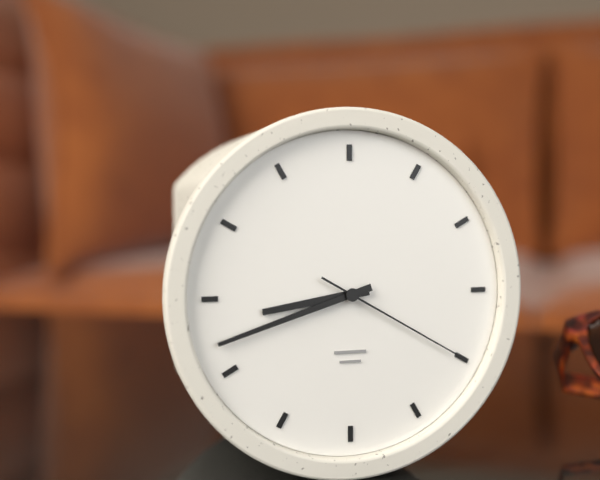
8:42:20
